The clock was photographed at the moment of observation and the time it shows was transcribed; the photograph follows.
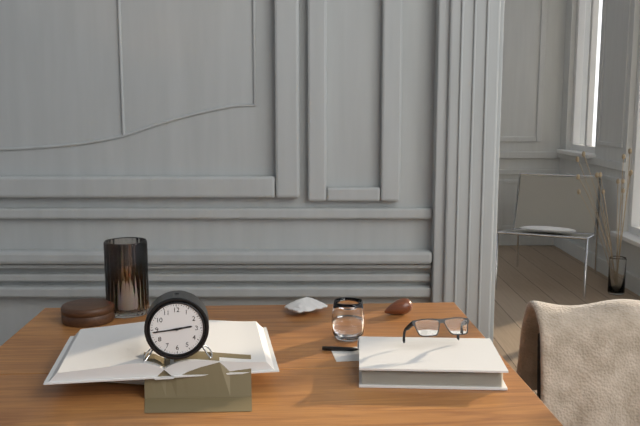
2:44
